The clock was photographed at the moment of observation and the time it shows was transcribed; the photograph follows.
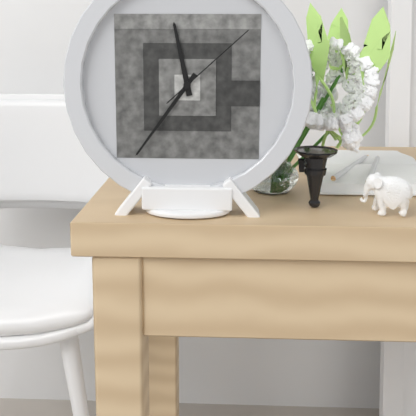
11:36:08
